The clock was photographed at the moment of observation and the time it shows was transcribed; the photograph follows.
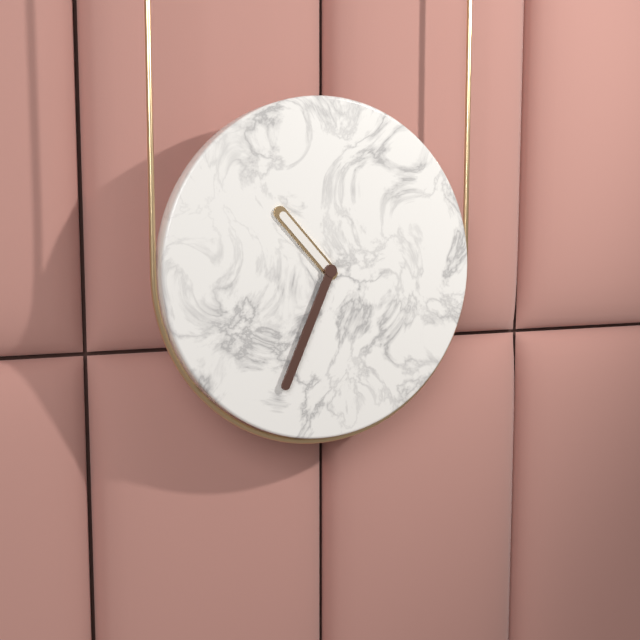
10:34
